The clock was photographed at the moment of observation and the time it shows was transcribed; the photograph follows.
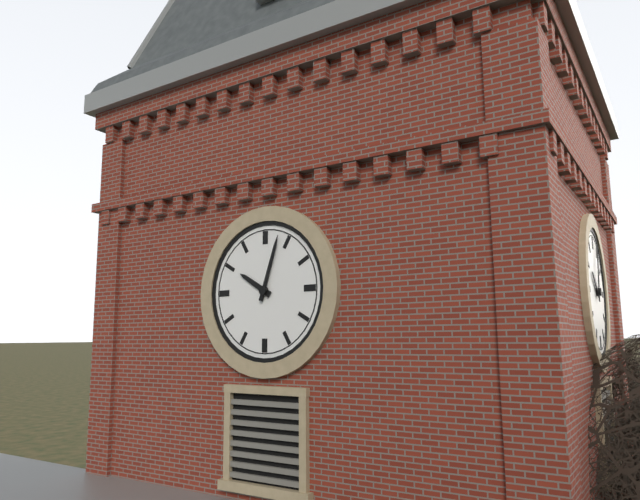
10:03
